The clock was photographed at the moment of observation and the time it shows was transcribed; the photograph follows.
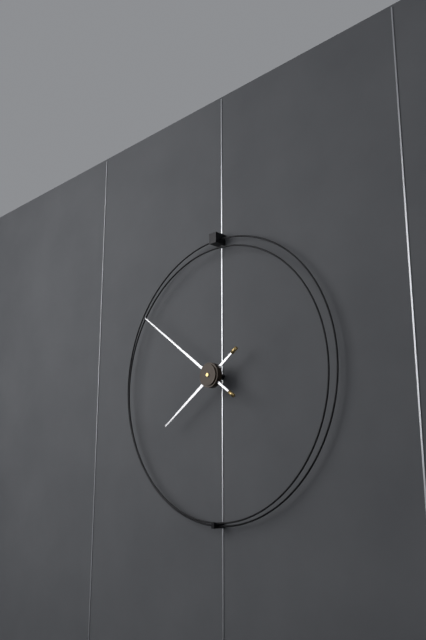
7:51
